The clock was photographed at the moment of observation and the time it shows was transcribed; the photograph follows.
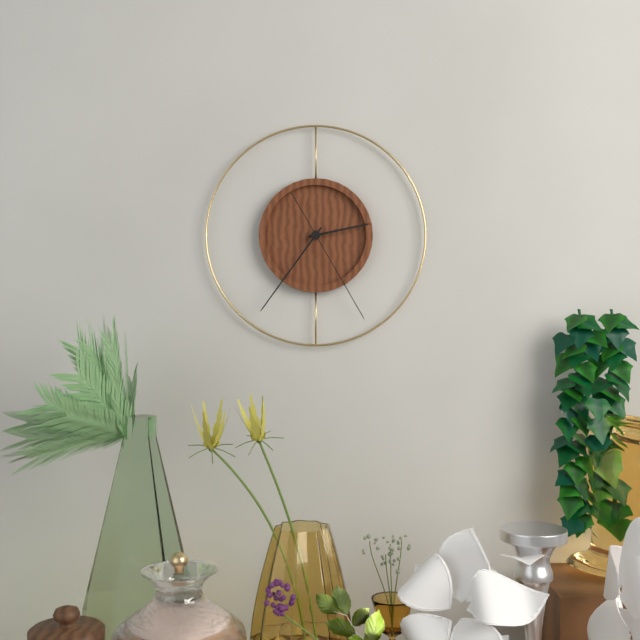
2:36:25
